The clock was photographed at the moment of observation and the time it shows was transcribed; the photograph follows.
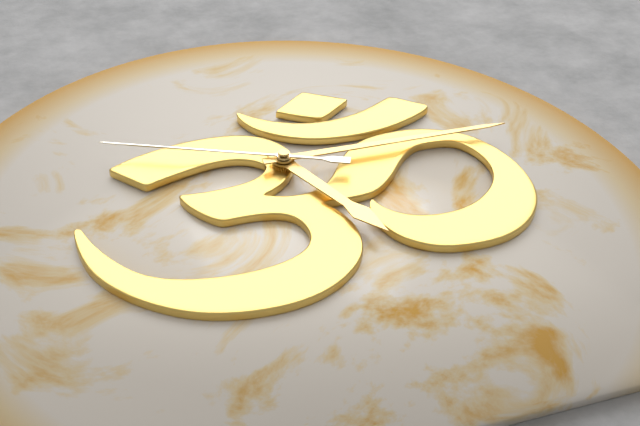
5:15:49
